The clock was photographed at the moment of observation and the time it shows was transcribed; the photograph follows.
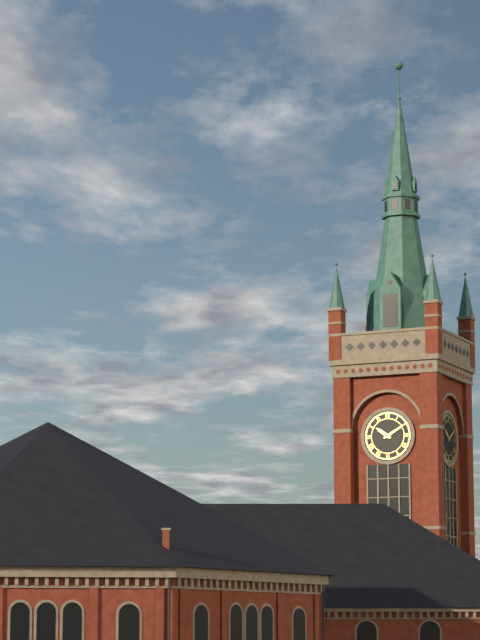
10:10
